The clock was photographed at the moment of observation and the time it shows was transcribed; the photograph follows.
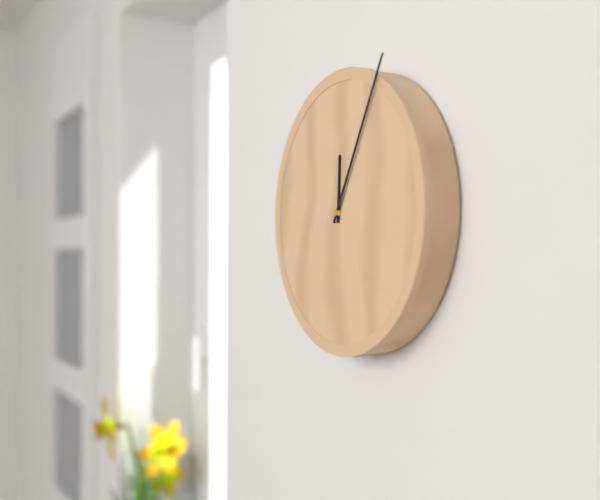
12:05
